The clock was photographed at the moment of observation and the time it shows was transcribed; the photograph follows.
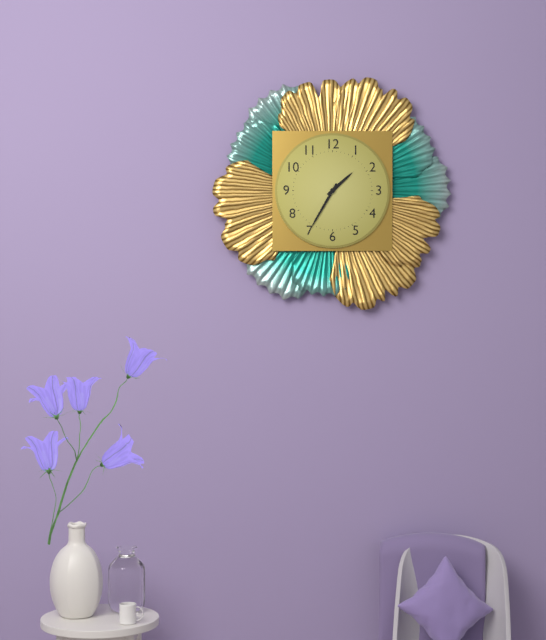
1:35
